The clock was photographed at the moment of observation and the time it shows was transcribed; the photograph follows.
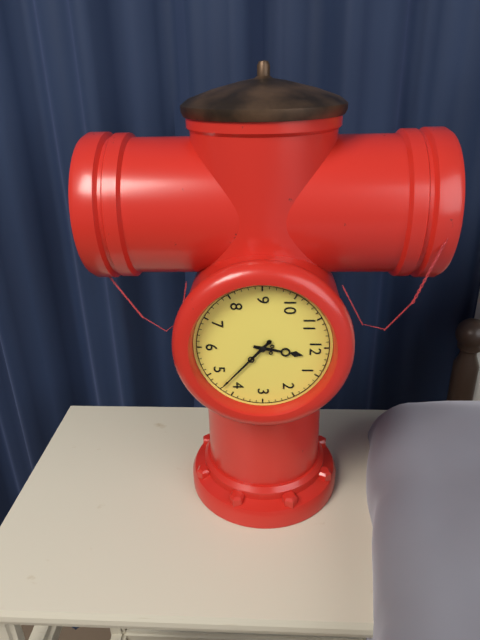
12:22
